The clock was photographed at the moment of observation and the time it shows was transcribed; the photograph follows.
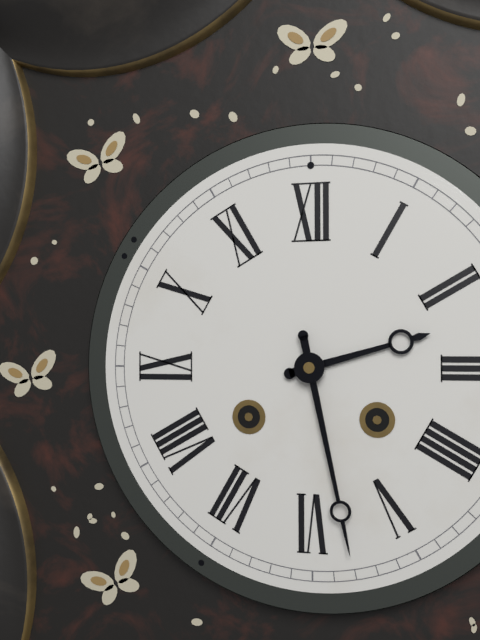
2:28
